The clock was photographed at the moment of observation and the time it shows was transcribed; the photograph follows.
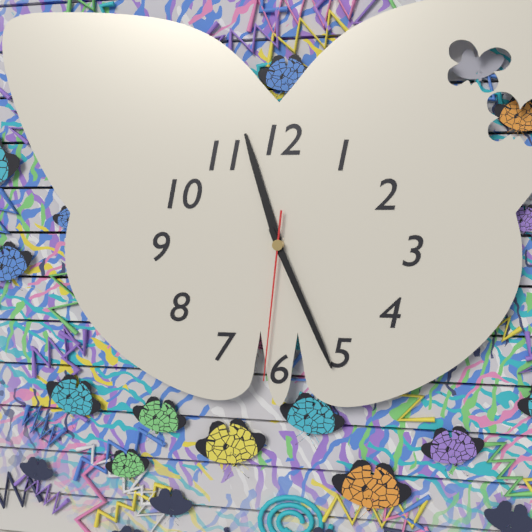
11:26:31
